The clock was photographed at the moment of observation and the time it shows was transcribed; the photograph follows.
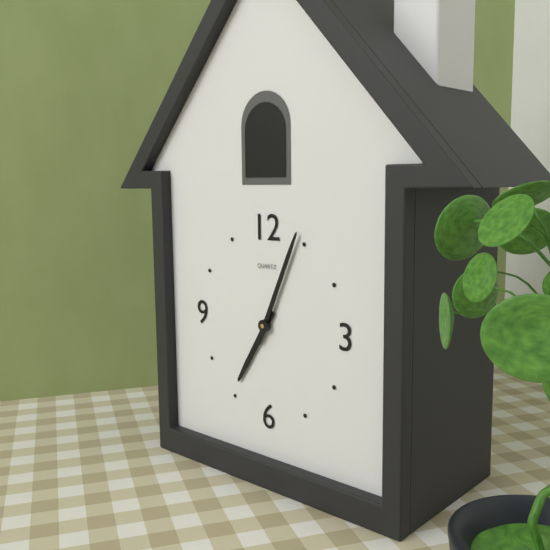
7:04
